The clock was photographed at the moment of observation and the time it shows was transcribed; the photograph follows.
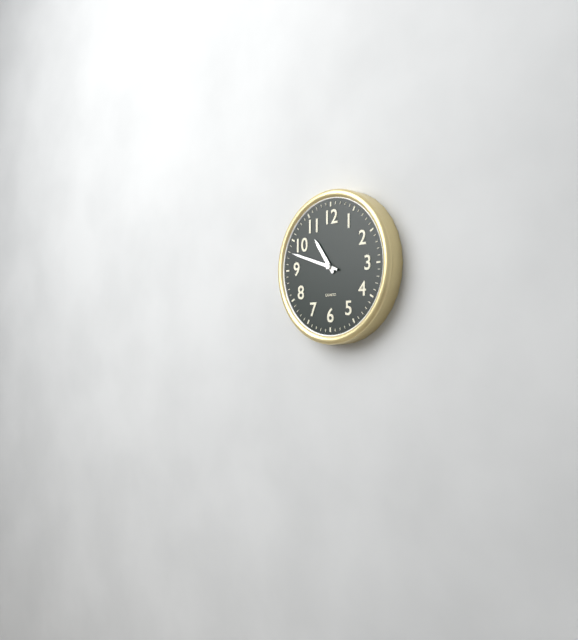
10:48
